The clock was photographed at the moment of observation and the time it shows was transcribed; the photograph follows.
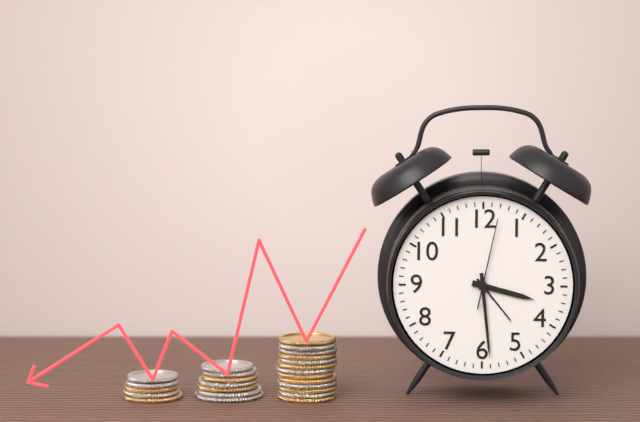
3:29:02
